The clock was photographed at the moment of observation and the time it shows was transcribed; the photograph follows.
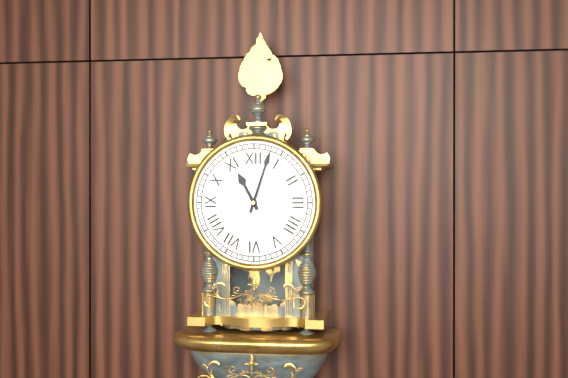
11:03
